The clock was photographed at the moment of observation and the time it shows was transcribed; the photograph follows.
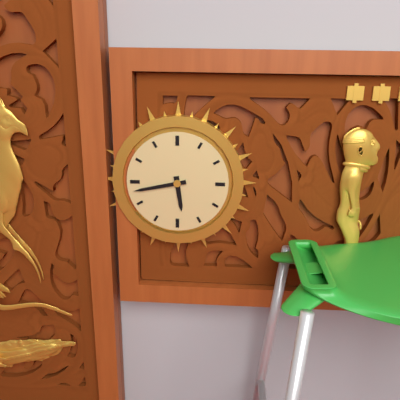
5:43
